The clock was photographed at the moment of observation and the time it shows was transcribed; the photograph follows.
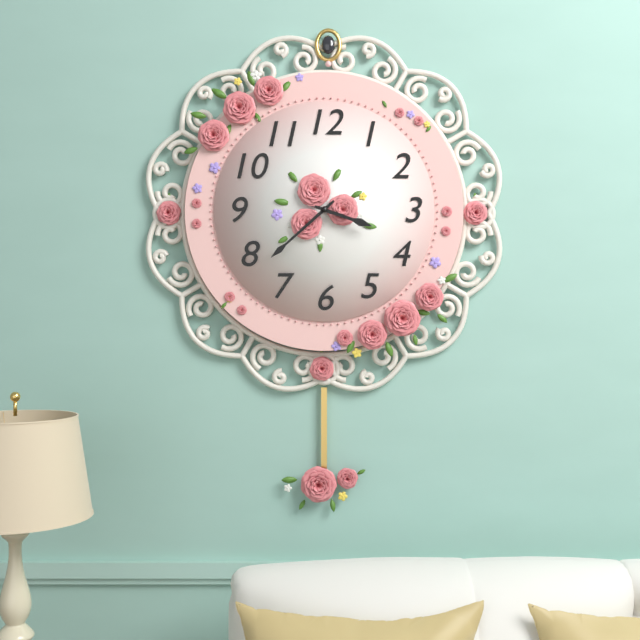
3:38
